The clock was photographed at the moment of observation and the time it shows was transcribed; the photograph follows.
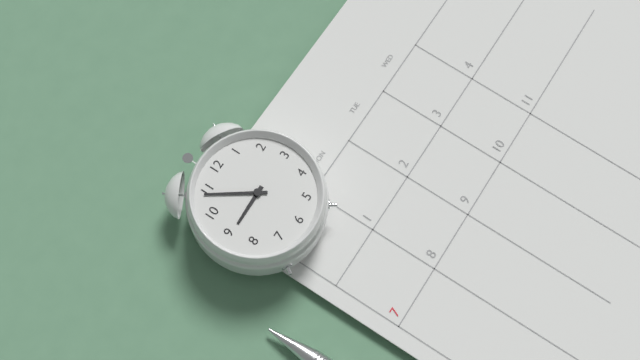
8:54
